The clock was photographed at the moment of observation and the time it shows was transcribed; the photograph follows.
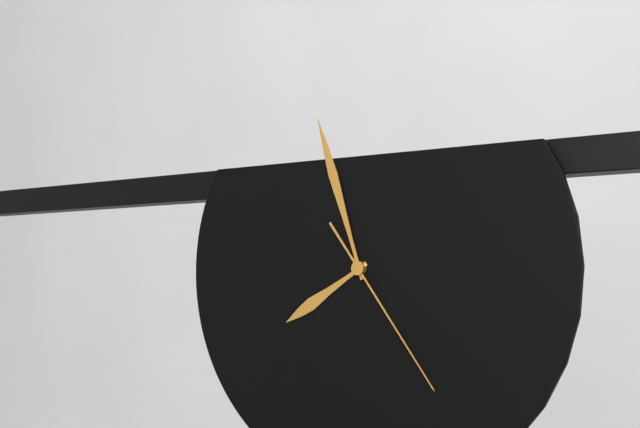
7:57:24
